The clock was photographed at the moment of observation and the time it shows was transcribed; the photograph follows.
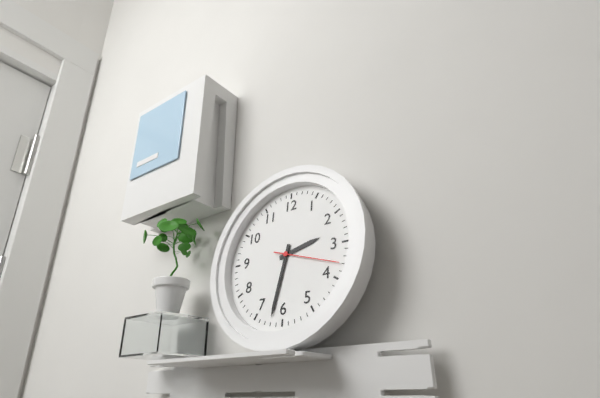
2:32:18
